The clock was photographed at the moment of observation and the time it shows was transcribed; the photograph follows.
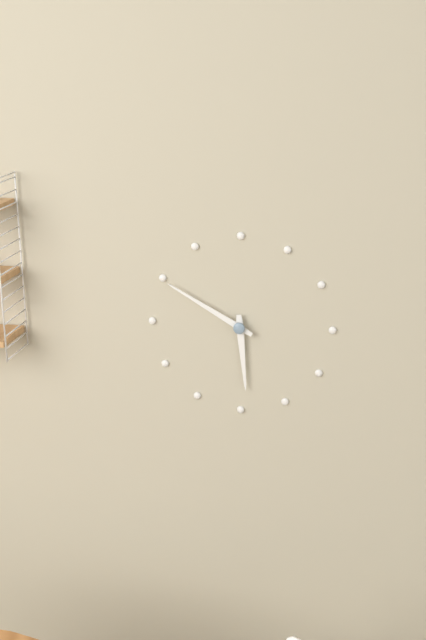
5:50
